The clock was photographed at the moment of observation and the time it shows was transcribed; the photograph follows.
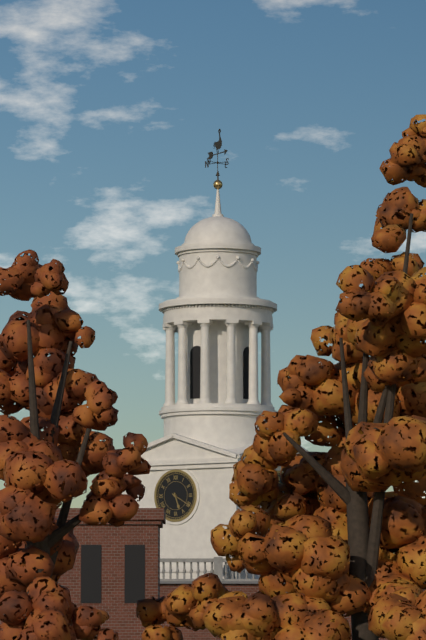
5:20
